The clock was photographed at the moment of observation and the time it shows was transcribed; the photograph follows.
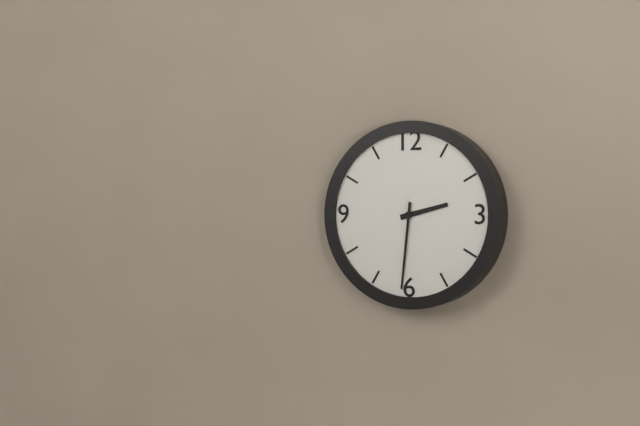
2:31
